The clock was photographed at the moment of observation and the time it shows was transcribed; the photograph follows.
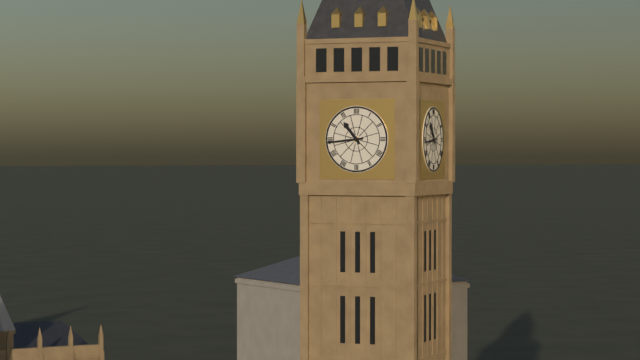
10:44
